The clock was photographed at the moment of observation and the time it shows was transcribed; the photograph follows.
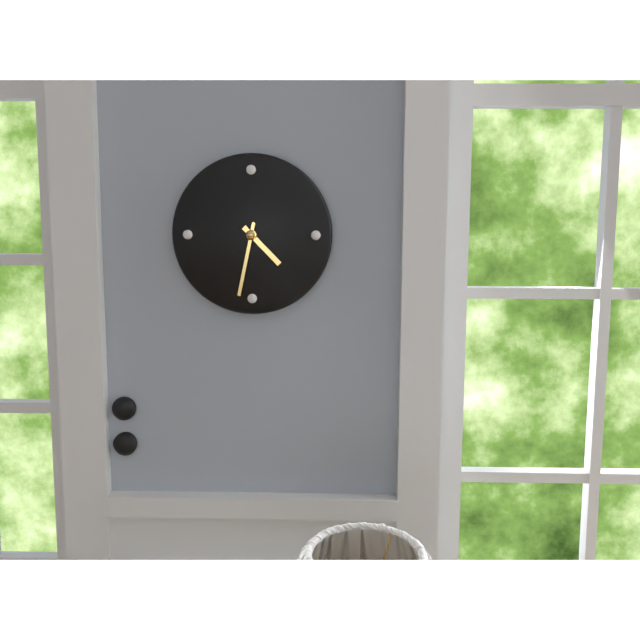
4:32
